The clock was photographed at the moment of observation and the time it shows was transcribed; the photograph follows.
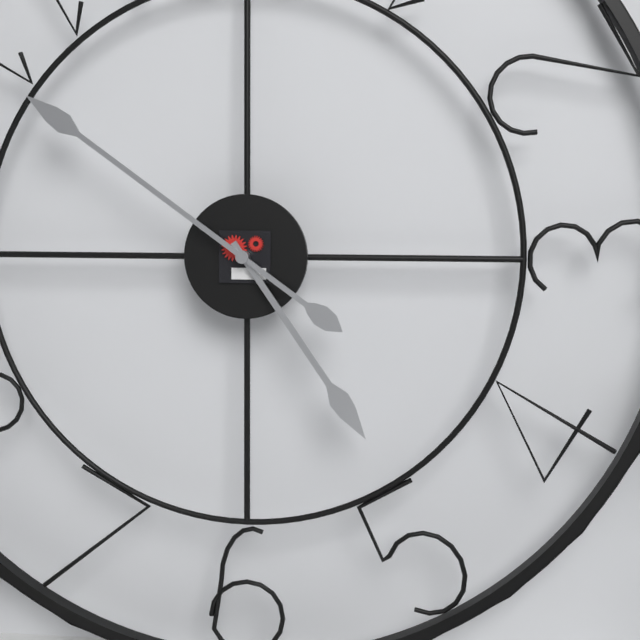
4:51
